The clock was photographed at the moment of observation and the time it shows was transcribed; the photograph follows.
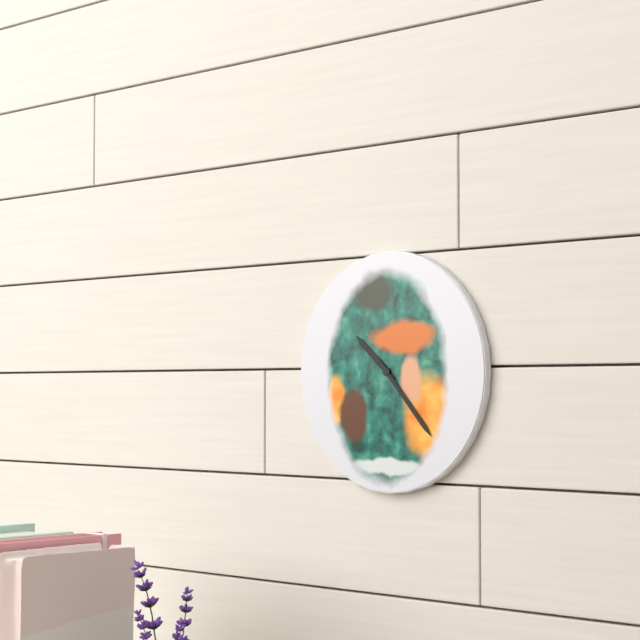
10:23
